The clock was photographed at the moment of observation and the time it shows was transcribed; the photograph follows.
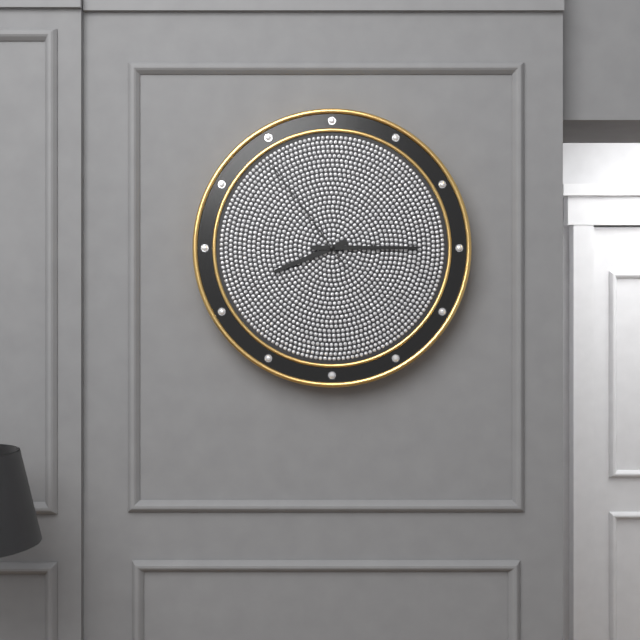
8:15:54
